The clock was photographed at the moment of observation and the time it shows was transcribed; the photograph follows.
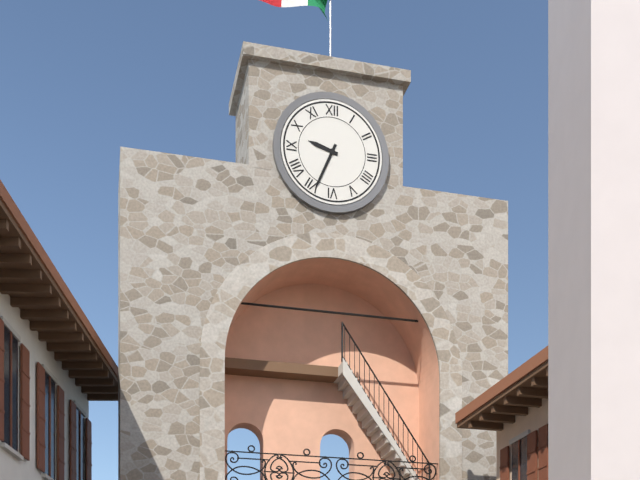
9:34
